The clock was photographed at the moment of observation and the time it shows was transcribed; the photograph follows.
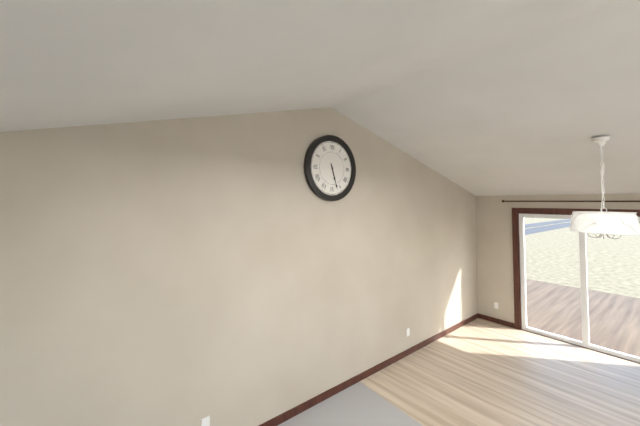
5:27
